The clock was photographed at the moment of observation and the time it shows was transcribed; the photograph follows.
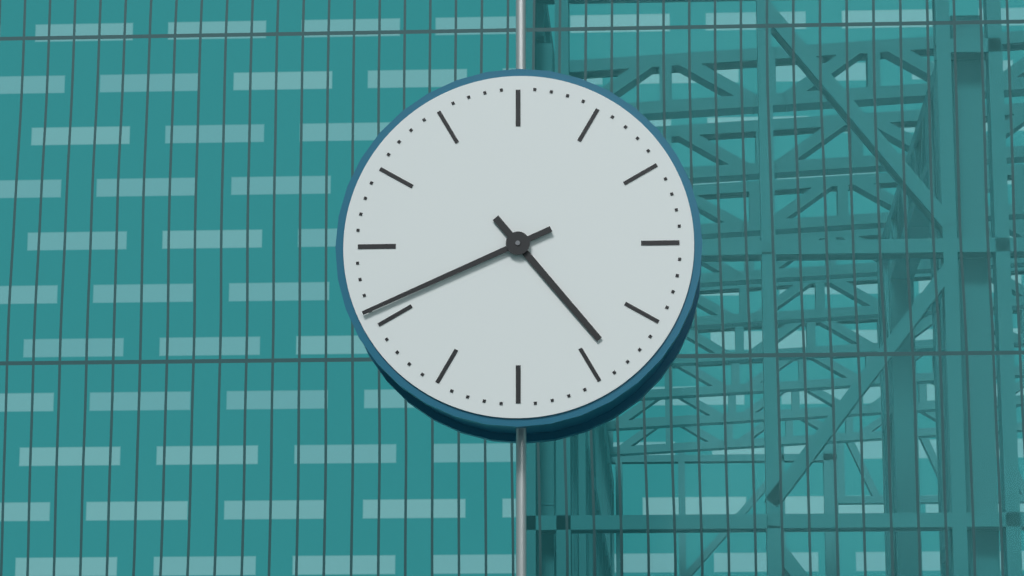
4:41
